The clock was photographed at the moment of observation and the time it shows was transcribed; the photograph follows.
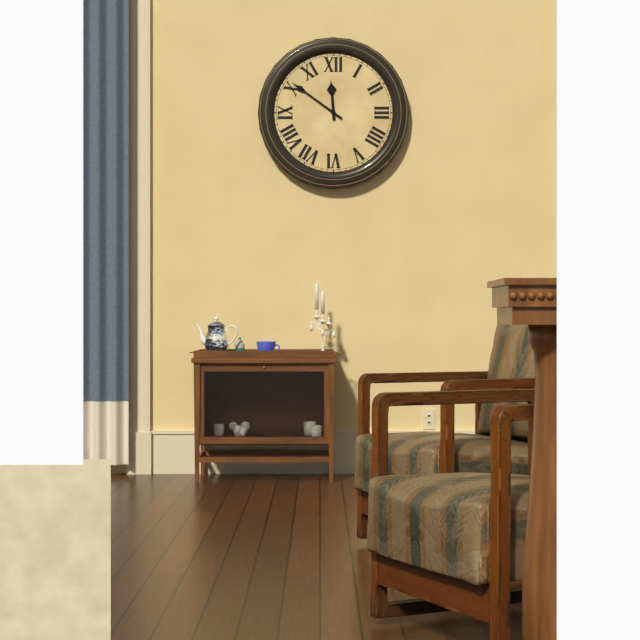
11:51
